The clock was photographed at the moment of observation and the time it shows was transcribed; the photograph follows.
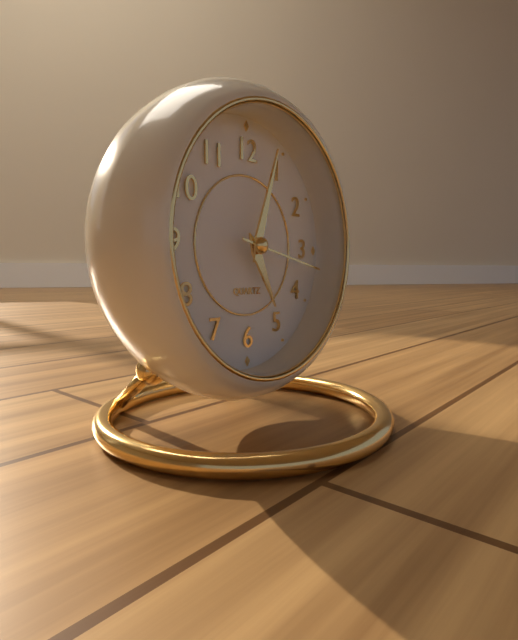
5:03:17
